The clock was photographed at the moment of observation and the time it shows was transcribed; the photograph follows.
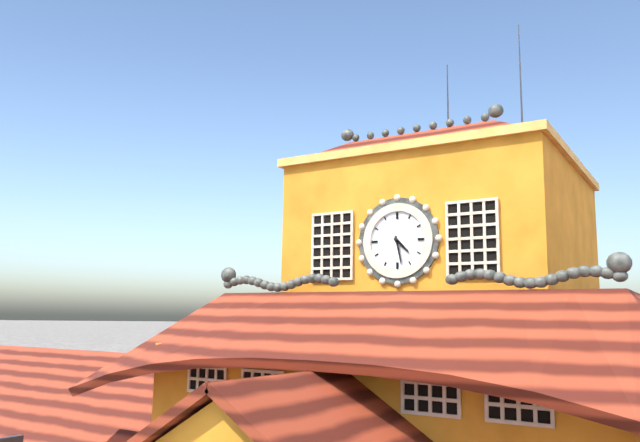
4:28
